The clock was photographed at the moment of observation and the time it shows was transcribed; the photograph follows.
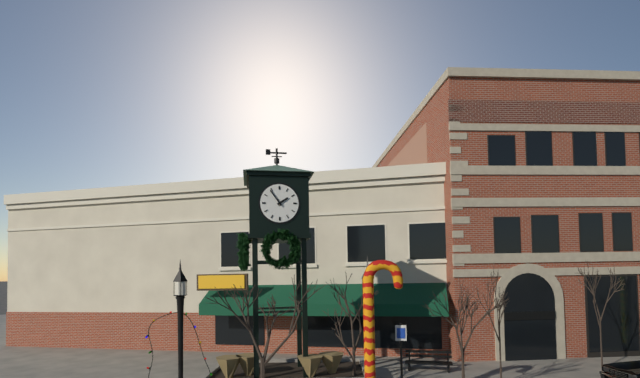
1:54
